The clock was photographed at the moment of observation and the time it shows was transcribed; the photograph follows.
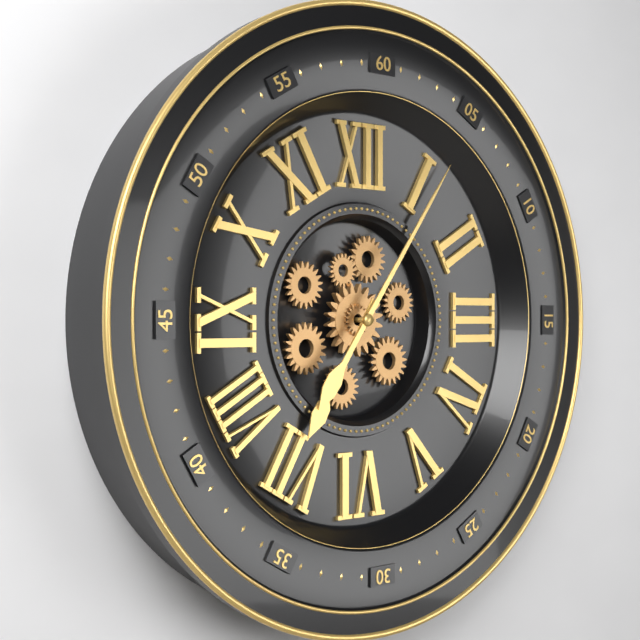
7:06
